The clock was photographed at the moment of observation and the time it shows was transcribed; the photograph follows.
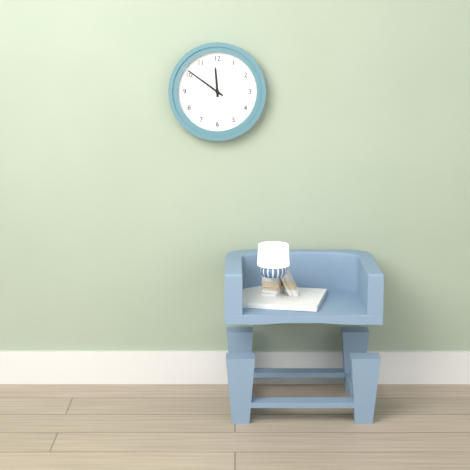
11:51
